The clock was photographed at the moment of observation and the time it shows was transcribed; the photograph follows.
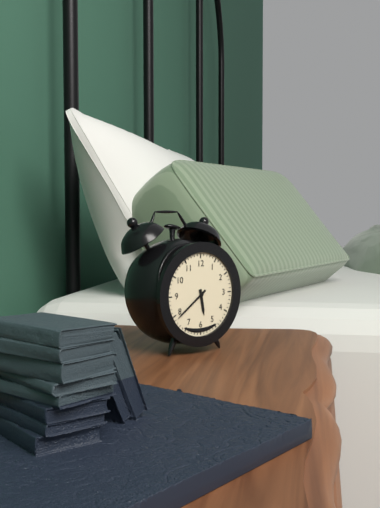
5:39
